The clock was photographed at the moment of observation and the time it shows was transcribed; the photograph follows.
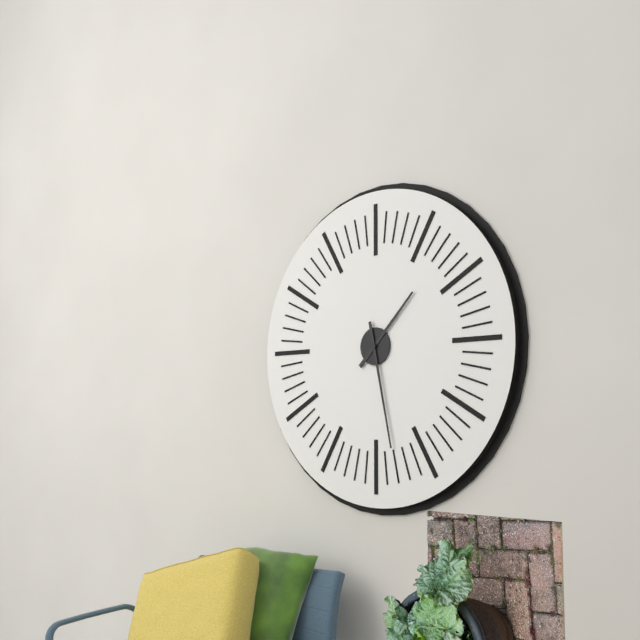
1:28
